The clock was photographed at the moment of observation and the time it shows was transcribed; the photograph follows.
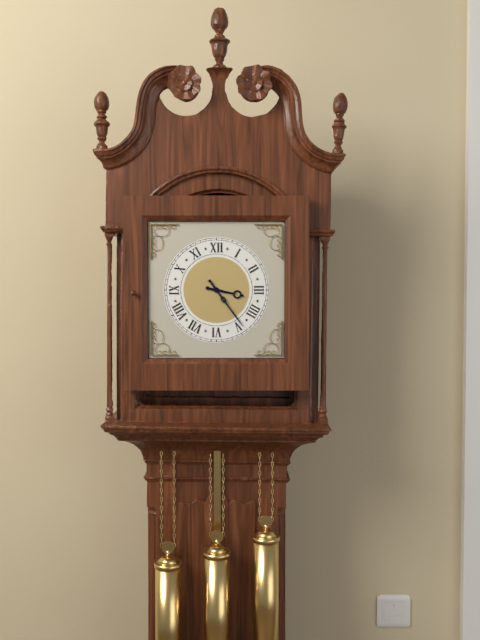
3:24
